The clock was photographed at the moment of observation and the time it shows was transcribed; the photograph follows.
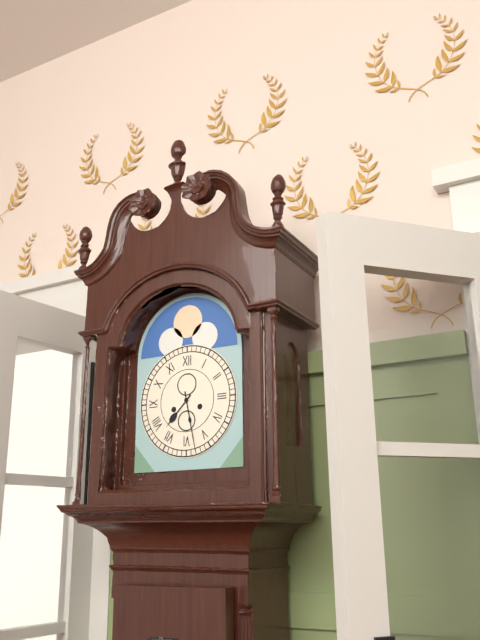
7:28
